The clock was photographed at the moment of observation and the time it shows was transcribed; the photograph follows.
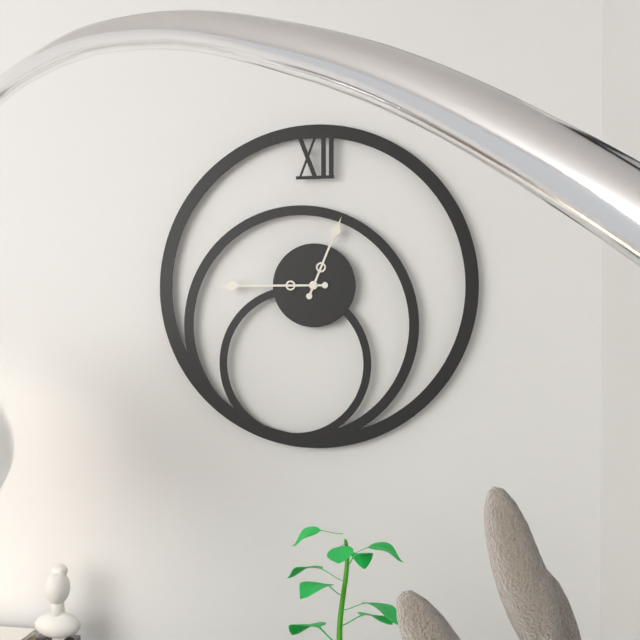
12:45
